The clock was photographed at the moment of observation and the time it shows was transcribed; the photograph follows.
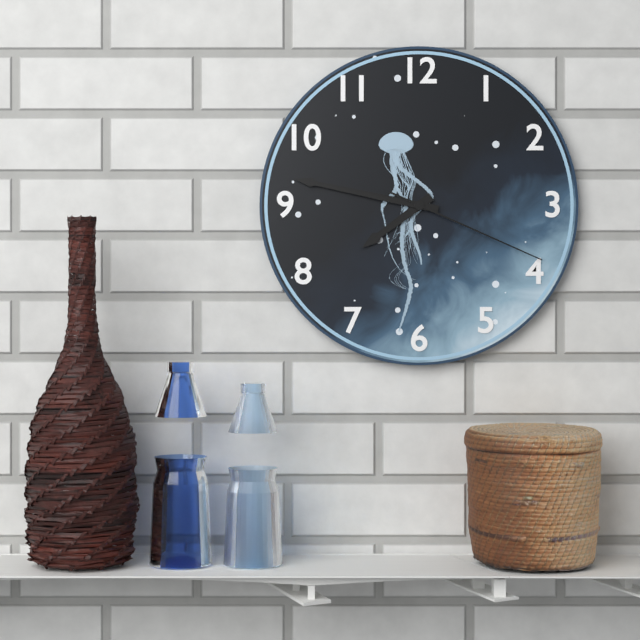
7:47:19
